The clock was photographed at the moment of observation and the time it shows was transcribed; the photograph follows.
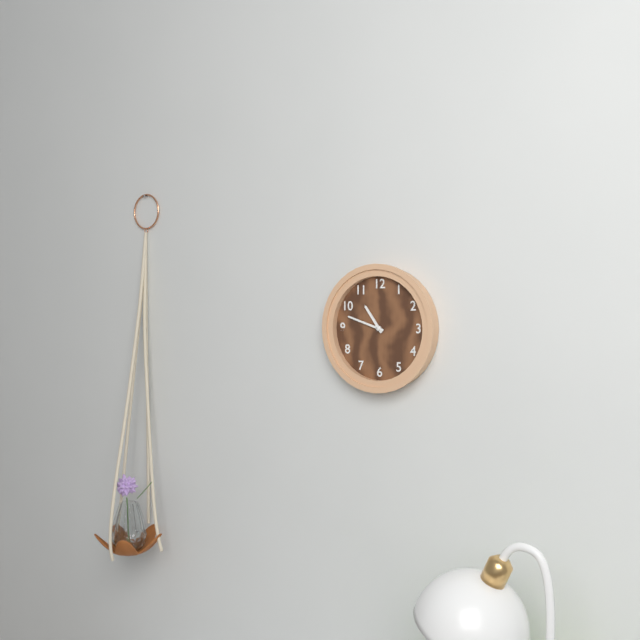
10:48
